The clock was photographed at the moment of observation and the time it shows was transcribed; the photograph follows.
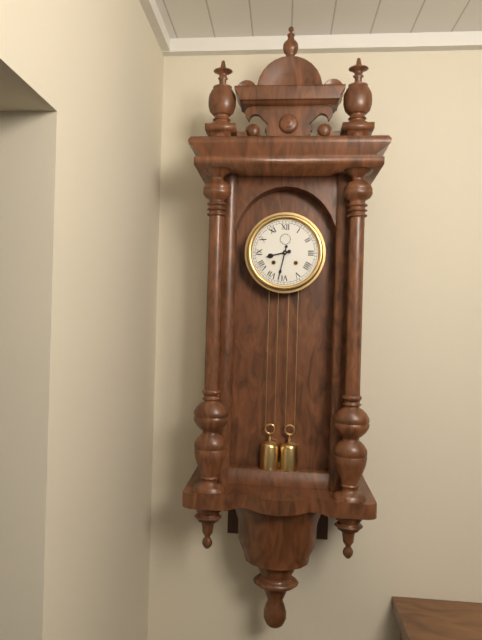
8:32
